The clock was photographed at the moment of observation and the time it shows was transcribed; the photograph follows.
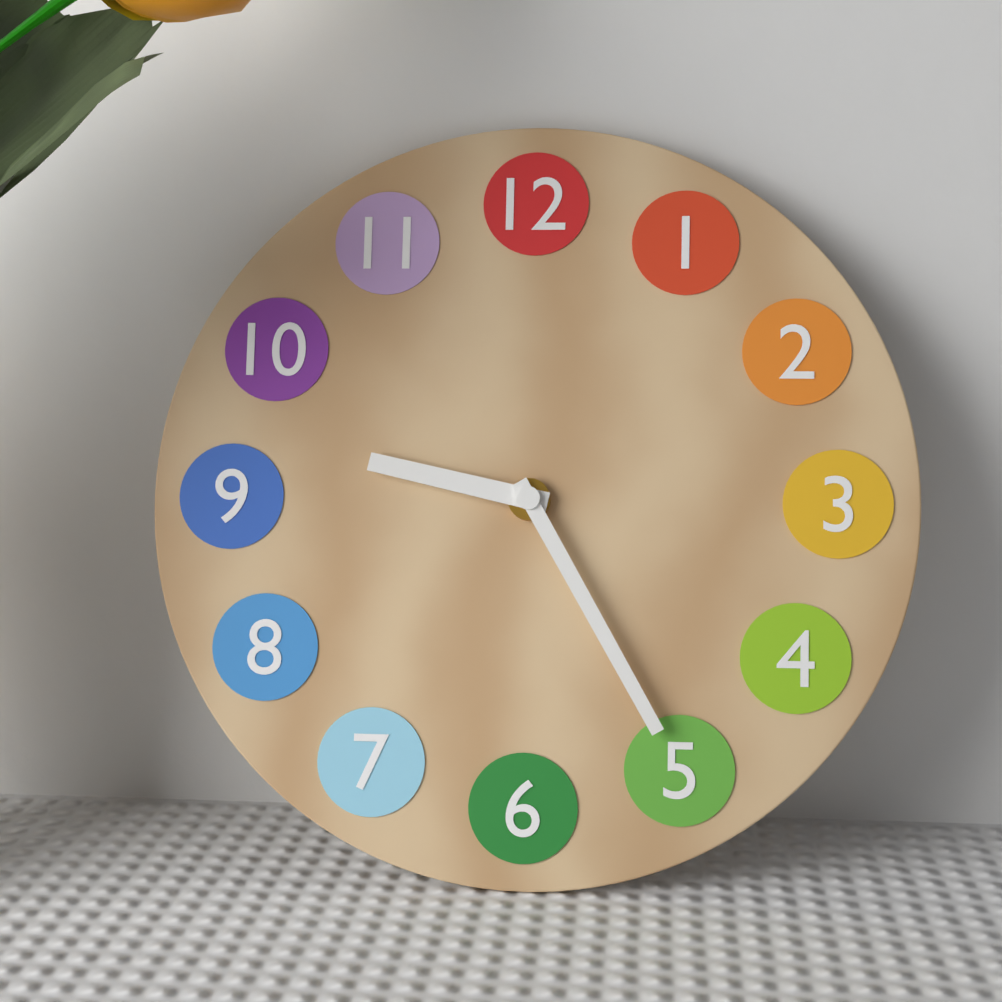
9:25
